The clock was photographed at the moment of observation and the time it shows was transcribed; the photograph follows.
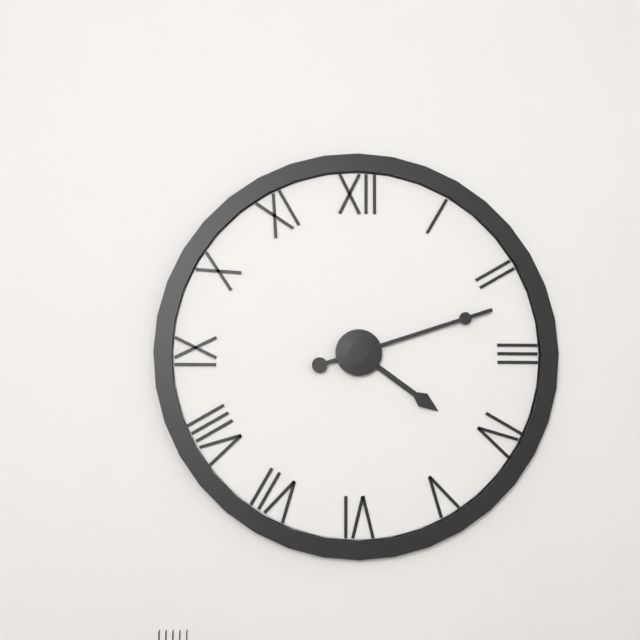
4:12
